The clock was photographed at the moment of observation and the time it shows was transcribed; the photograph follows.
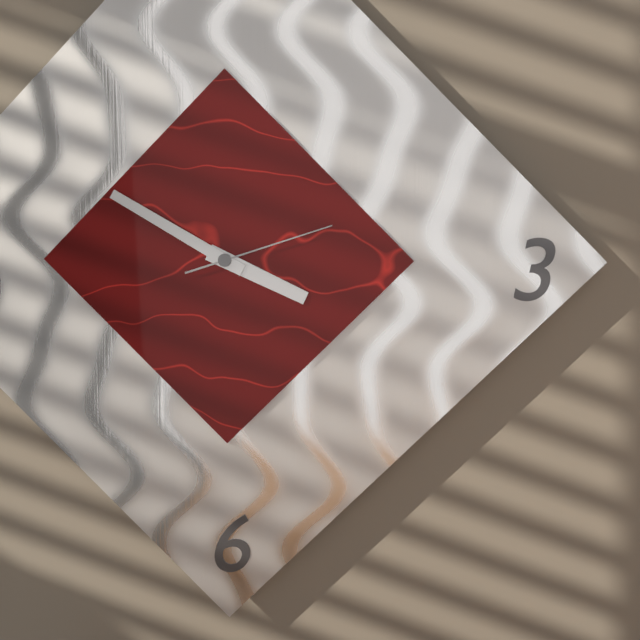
3:50:12
